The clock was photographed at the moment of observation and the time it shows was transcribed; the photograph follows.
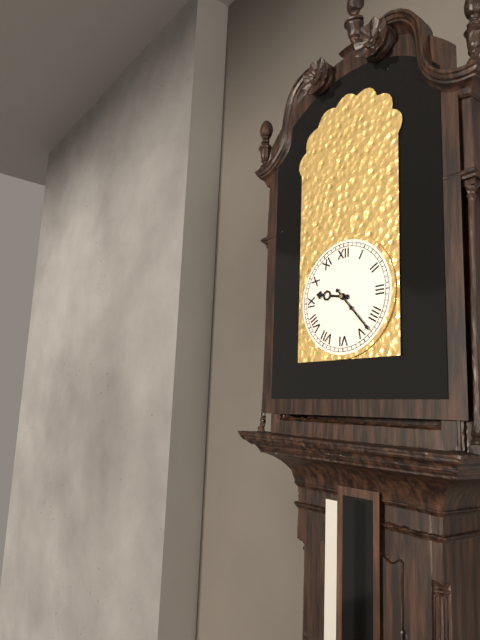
9:23
